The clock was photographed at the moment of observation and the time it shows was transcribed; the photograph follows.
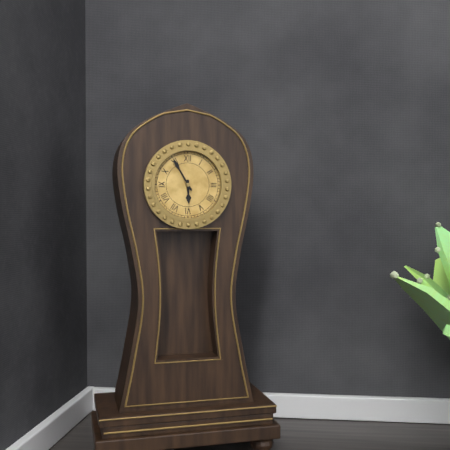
5:55
